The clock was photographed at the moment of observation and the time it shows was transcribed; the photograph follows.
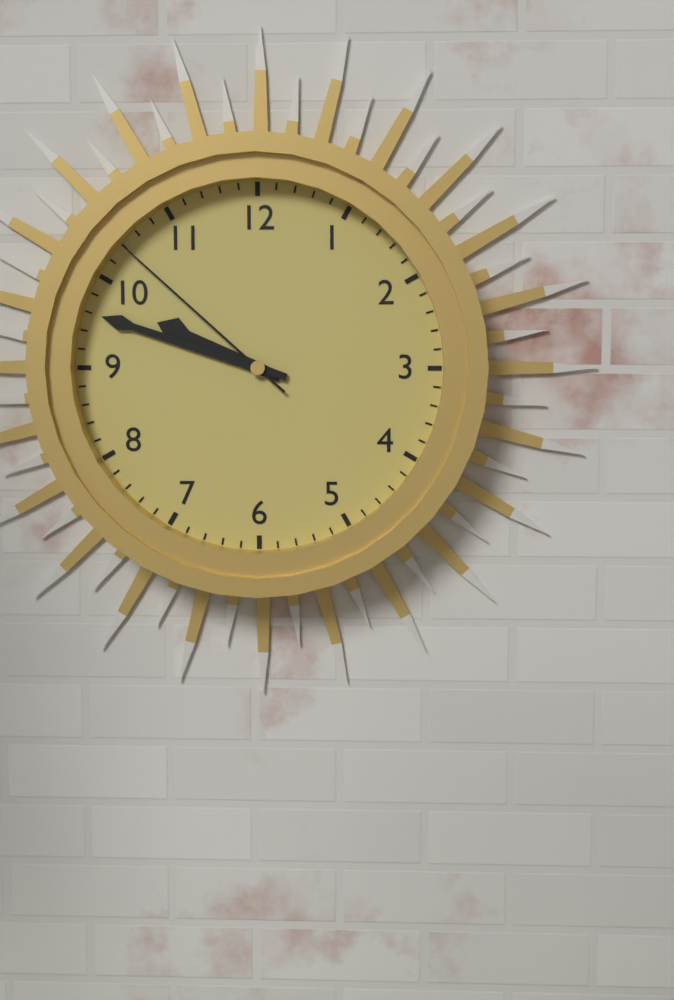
9:48:52
